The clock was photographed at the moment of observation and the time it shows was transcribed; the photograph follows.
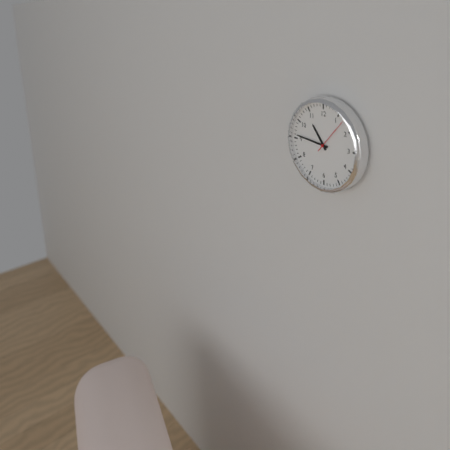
10:46
